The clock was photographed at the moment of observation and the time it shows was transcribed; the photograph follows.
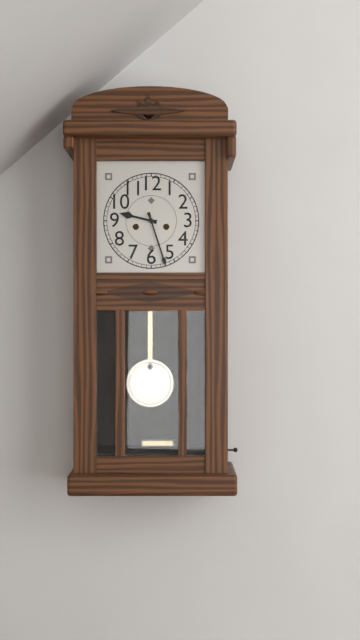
9:27
